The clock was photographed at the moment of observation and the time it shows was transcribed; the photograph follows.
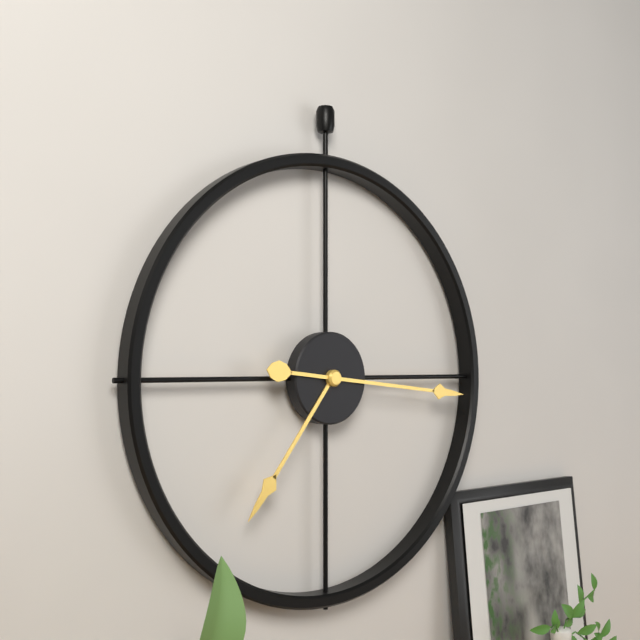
7:16
